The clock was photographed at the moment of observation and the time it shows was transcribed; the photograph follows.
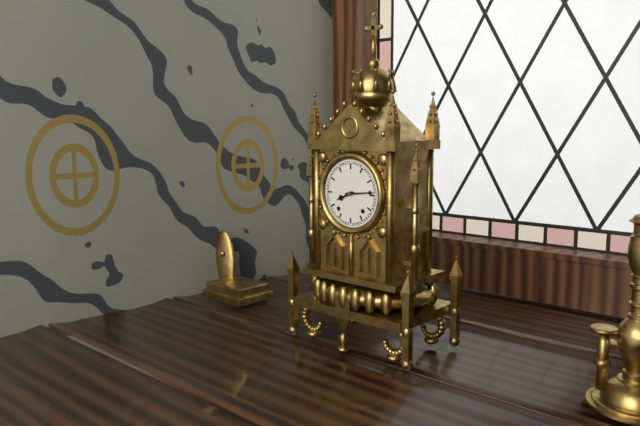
8:14
